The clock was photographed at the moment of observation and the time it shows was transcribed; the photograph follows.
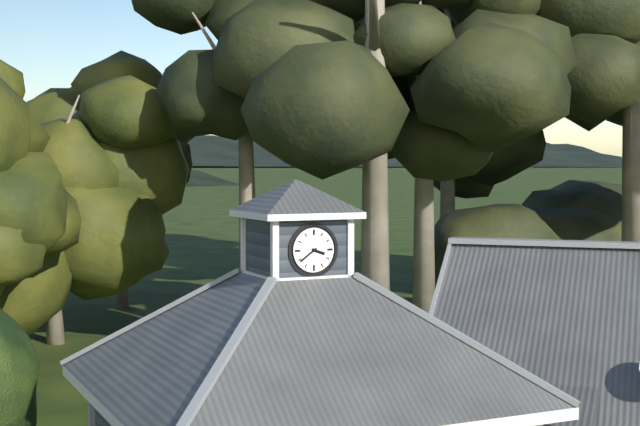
3:39
